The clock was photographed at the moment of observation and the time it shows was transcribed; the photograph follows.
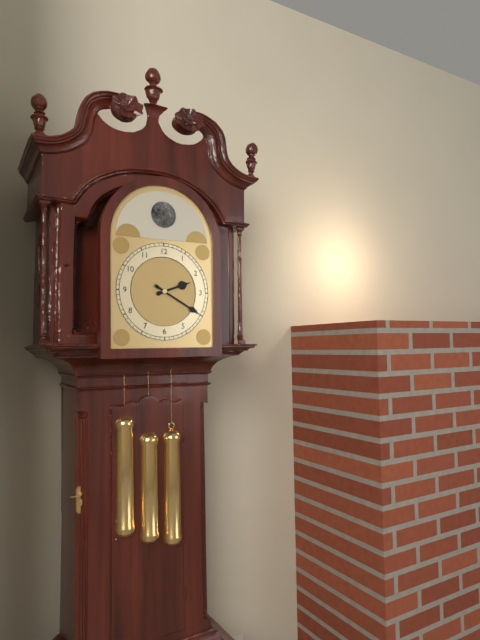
2:20
